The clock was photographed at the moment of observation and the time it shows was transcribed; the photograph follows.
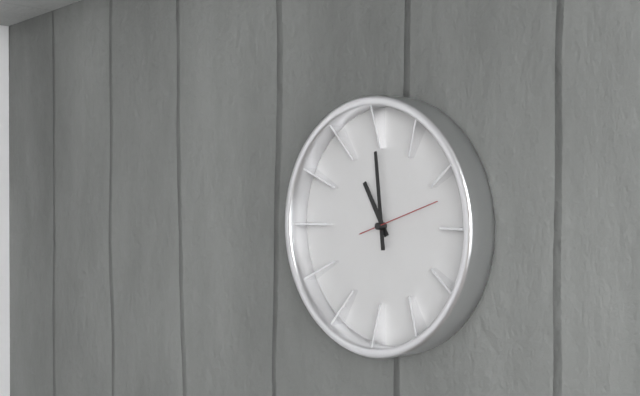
10:59:12
